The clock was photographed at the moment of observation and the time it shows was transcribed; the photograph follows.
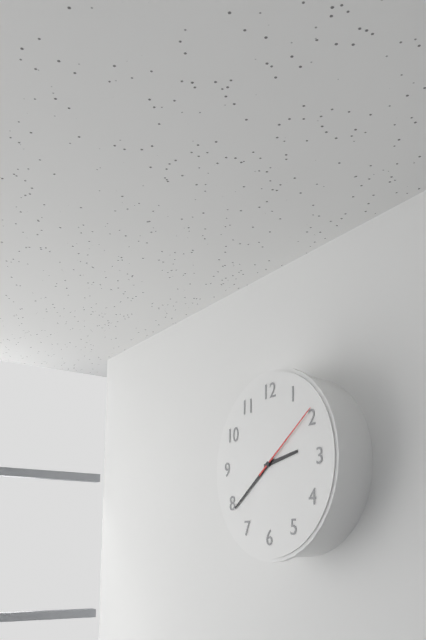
2:39:09
